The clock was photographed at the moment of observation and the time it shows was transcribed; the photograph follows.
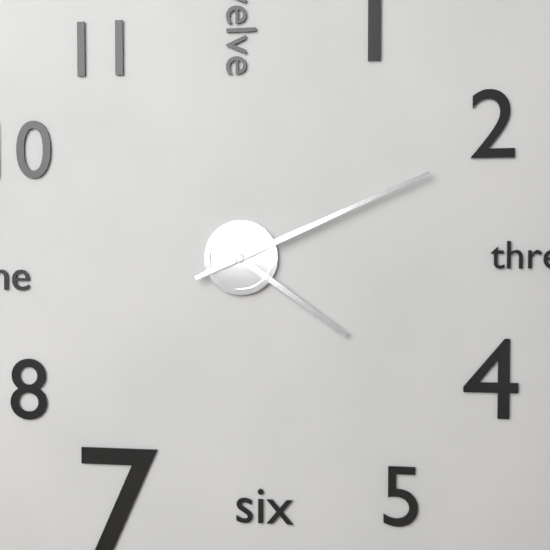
4:11
